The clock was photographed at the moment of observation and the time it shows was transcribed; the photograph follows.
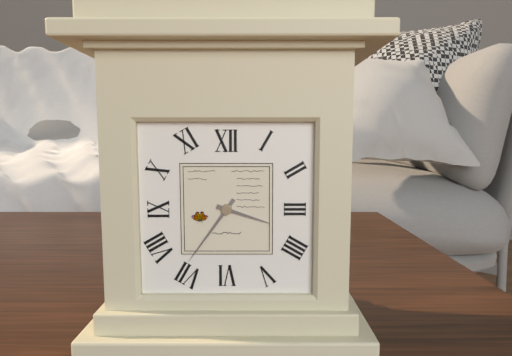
3:36
